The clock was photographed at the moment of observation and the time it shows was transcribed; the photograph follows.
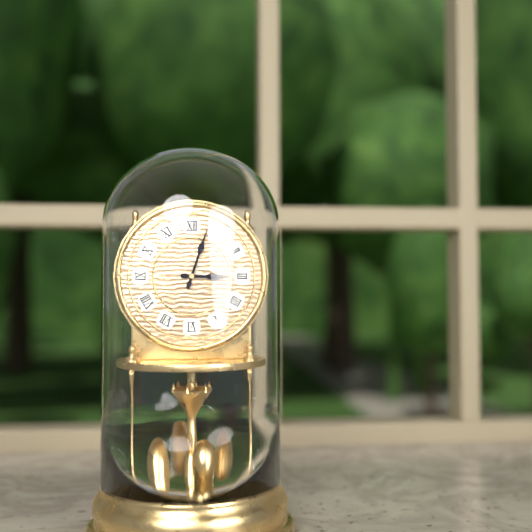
3:03
